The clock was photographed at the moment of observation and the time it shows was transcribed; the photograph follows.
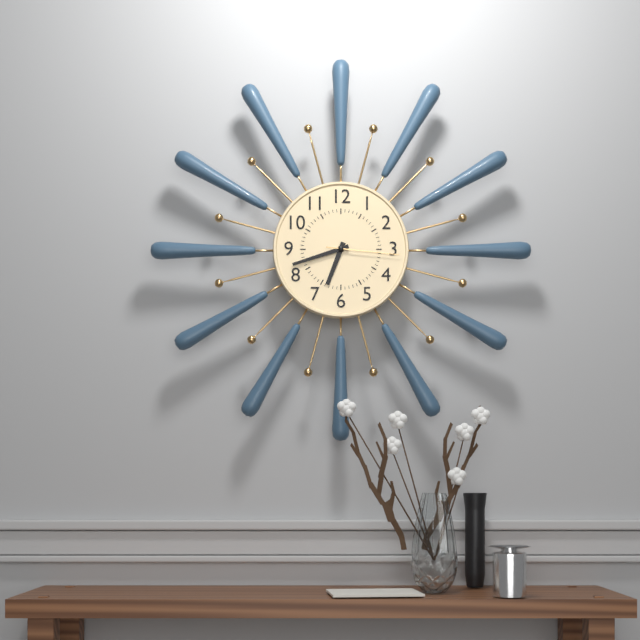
6:42:16
